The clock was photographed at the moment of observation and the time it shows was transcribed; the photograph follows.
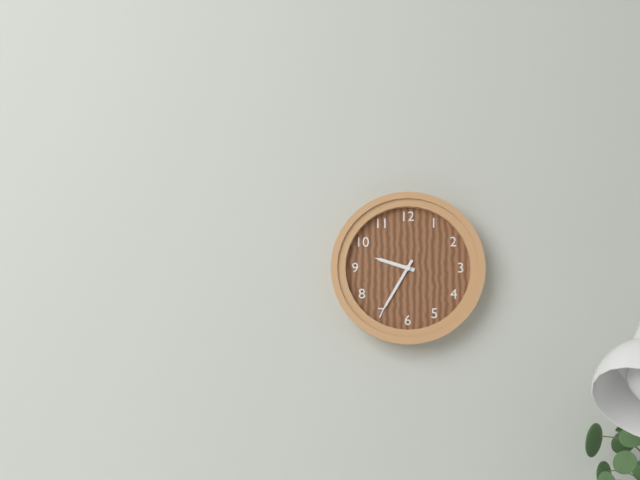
9:35
